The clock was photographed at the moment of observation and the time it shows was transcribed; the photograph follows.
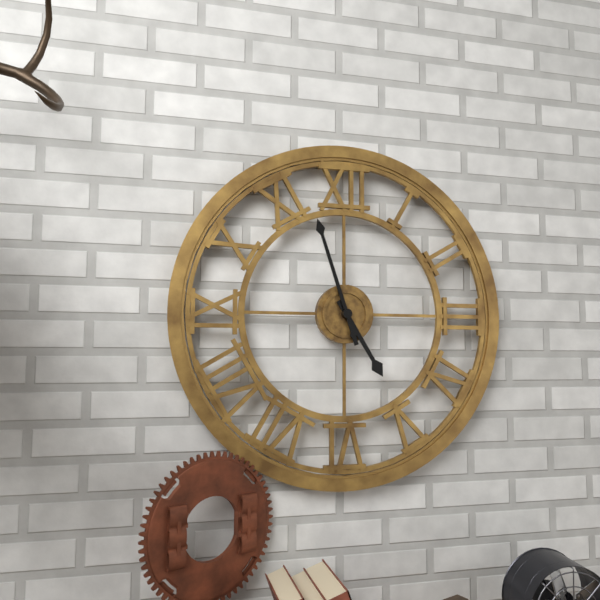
4:57
